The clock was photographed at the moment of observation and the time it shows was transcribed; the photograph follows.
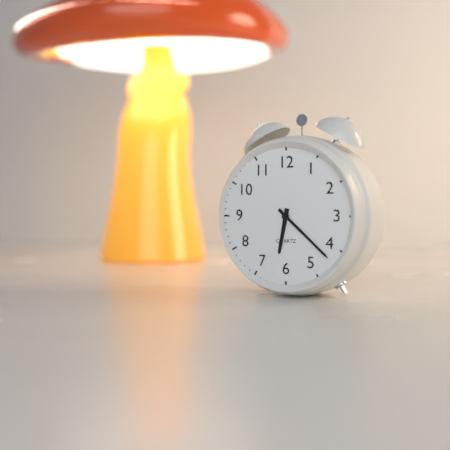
6:22
